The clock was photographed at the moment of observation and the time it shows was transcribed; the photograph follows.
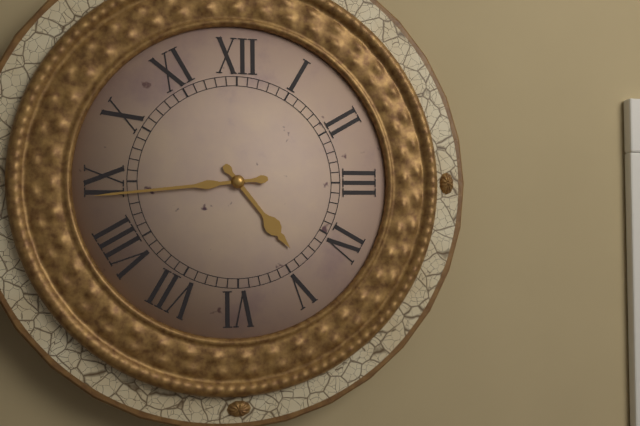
4:44
